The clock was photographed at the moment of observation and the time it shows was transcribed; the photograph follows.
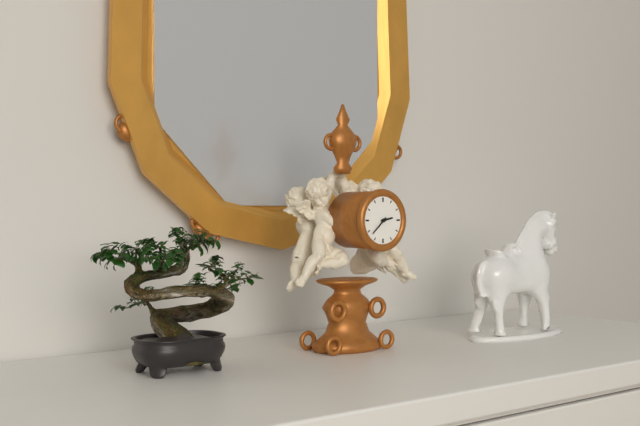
2:38
